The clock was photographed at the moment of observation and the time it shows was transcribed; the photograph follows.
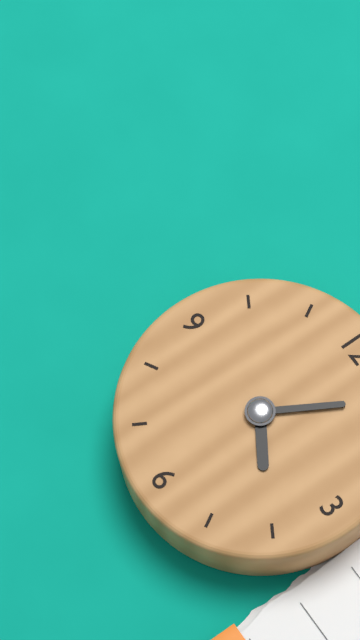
4:05
